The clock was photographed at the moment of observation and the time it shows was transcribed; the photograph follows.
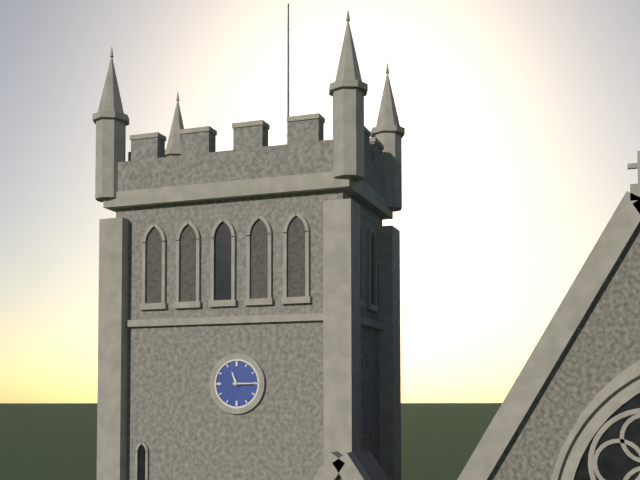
11:15
